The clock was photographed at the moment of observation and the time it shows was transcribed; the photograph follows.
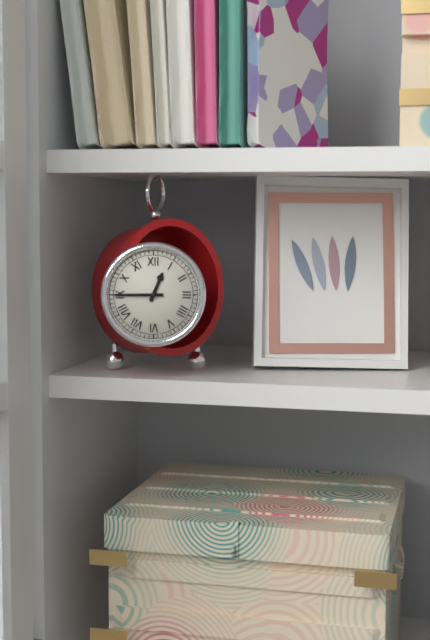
12:45
